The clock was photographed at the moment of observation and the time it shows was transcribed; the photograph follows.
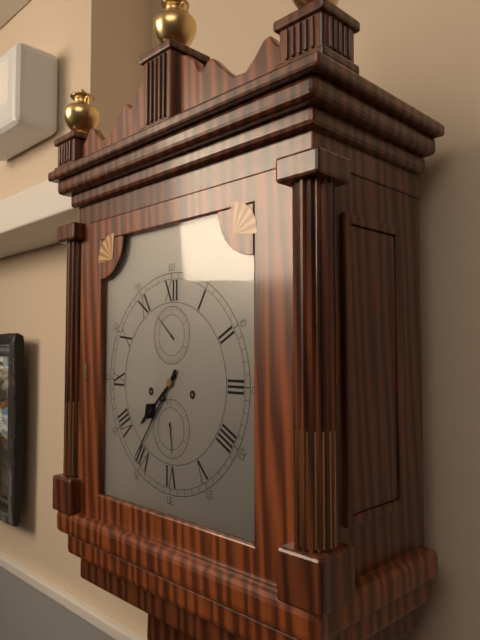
7:36
